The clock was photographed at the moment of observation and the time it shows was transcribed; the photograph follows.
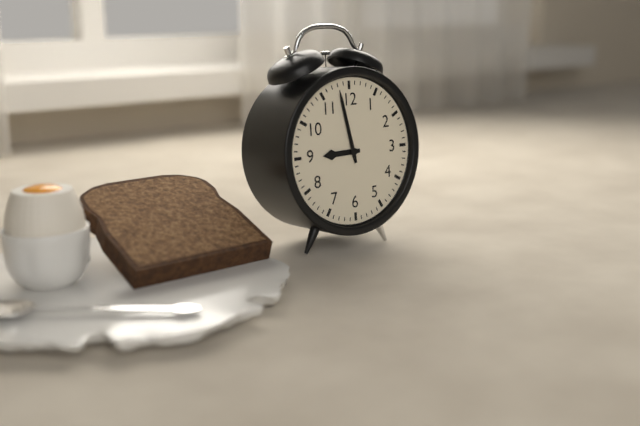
8:58
